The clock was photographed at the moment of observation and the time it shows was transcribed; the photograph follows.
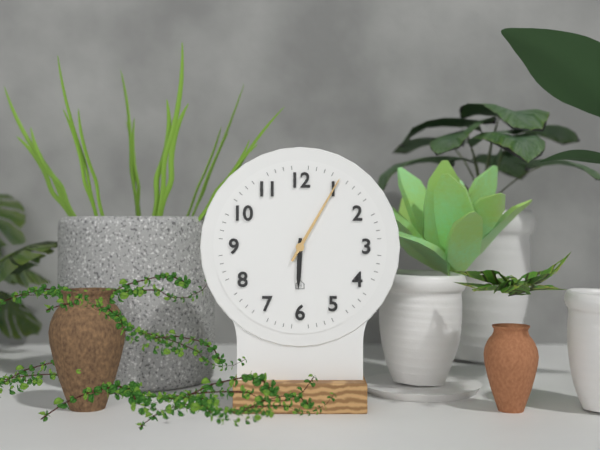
6:05
